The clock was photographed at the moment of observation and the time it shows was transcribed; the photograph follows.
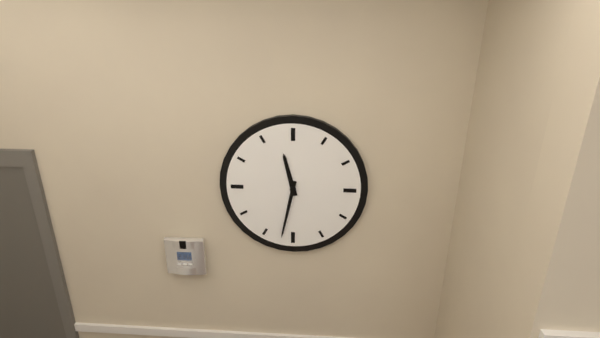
11:32
